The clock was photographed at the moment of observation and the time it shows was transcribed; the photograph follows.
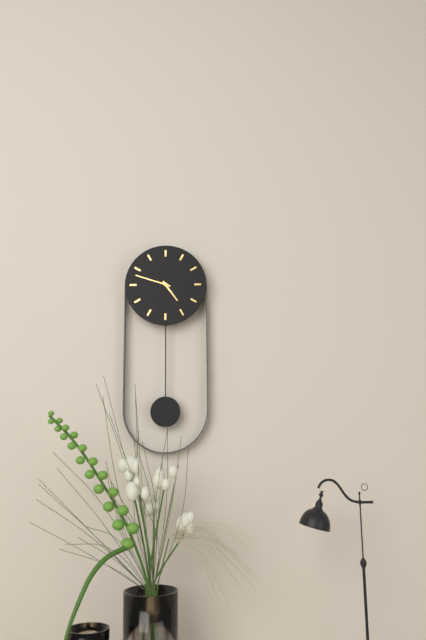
4:48
